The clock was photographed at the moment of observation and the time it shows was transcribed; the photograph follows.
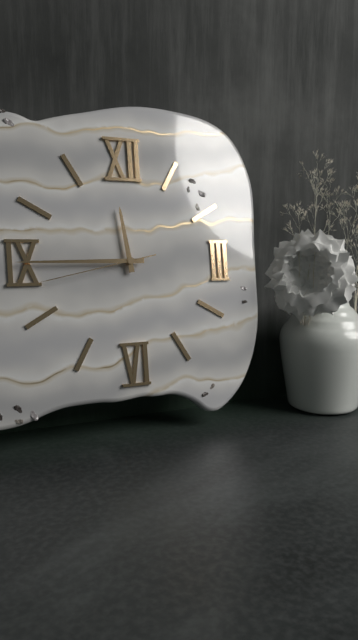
11:45:43
